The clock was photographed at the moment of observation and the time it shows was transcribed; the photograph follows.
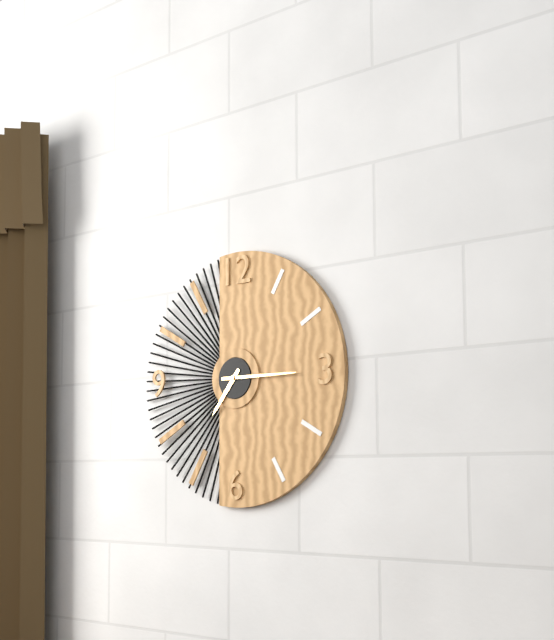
7:15
